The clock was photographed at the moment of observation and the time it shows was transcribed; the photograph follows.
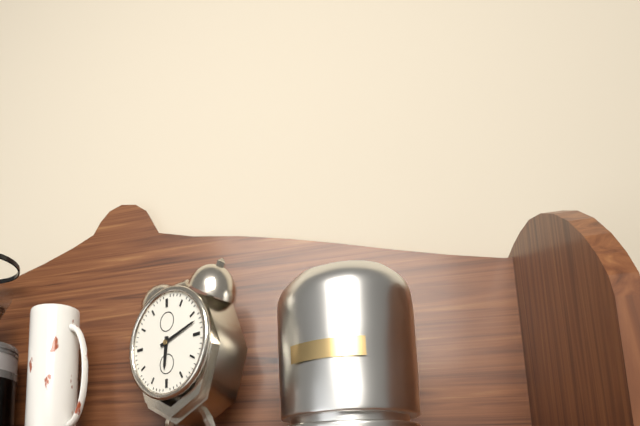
6:12
